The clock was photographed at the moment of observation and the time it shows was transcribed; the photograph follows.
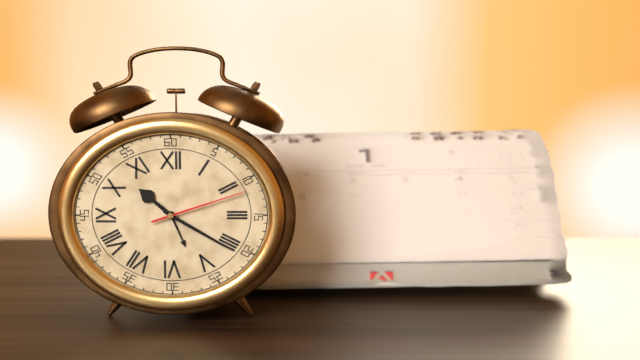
10:20:12
